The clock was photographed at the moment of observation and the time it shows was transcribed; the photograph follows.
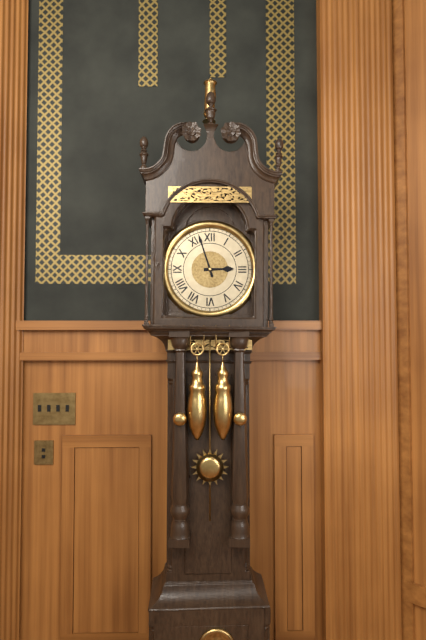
2:57
